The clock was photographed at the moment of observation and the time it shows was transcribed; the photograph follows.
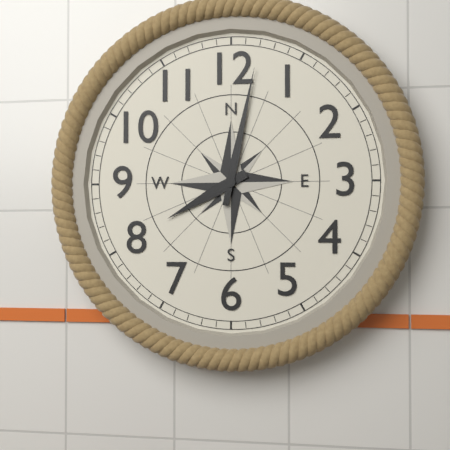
8:02
